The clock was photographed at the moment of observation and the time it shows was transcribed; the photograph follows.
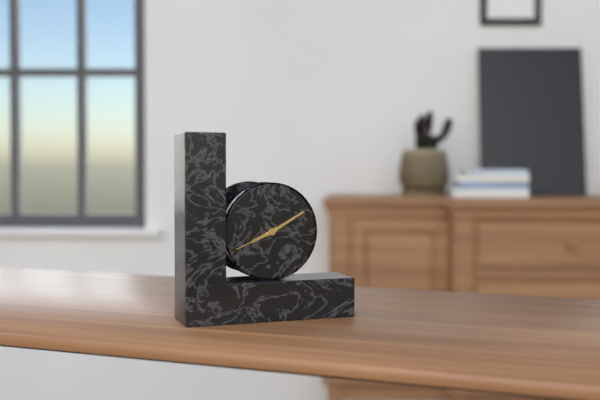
8:10:41
